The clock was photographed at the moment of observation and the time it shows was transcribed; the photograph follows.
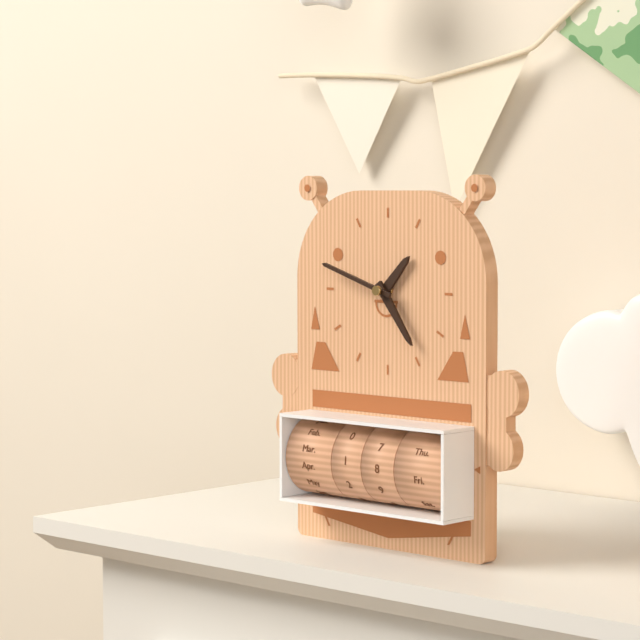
1:24:48
